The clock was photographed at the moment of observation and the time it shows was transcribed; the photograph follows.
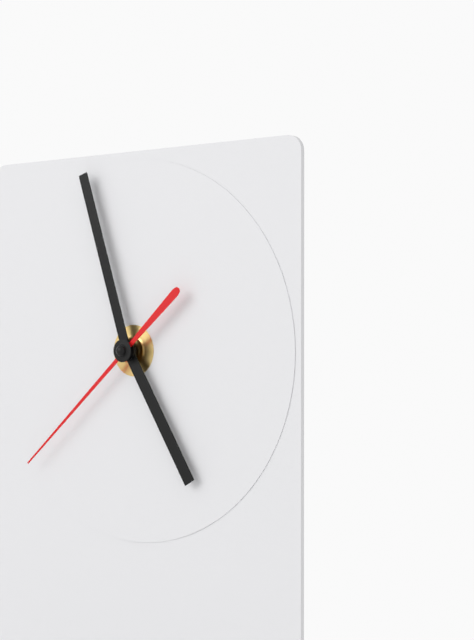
4:57:38
